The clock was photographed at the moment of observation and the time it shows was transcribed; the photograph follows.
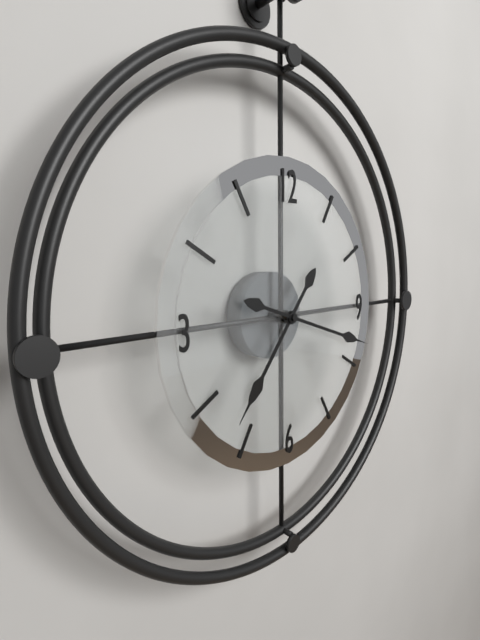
7:18
